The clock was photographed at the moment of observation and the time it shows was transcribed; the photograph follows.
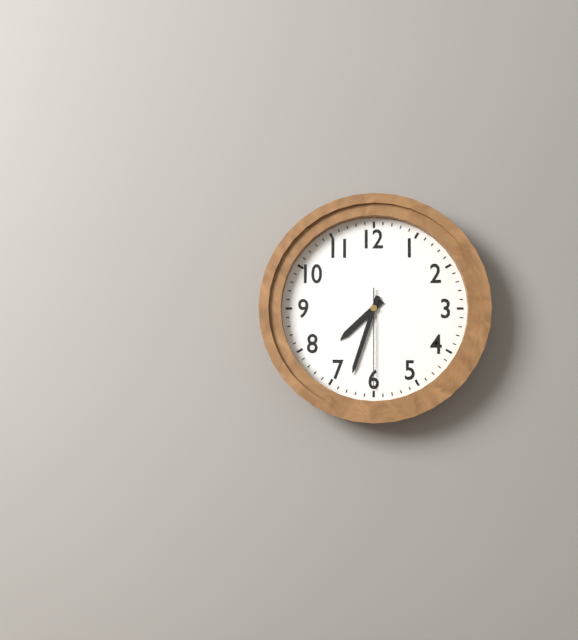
7:33:30
